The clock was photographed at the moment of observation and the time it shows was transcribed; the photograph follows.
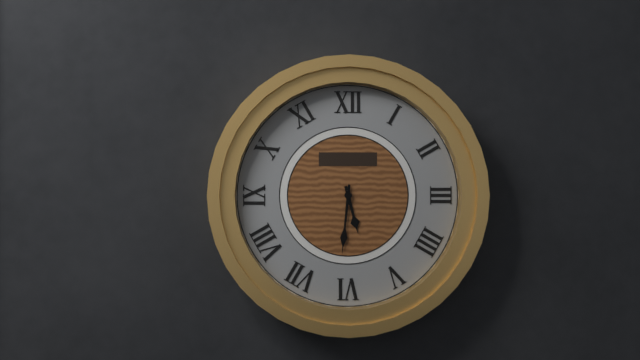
5:31
